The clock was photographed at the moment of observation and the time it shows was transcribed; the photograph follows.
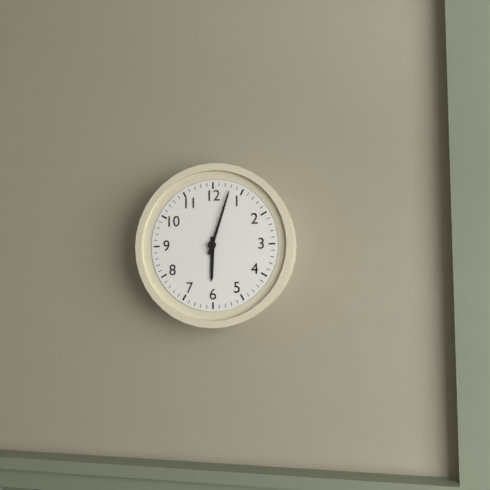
6:03
